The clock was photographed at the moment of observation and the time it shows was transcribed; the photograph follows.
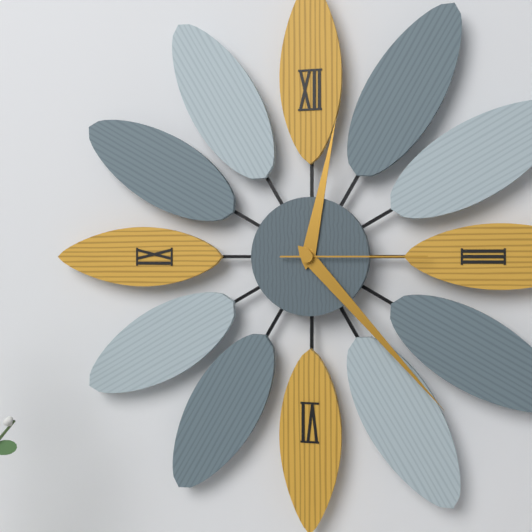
12:23:15
